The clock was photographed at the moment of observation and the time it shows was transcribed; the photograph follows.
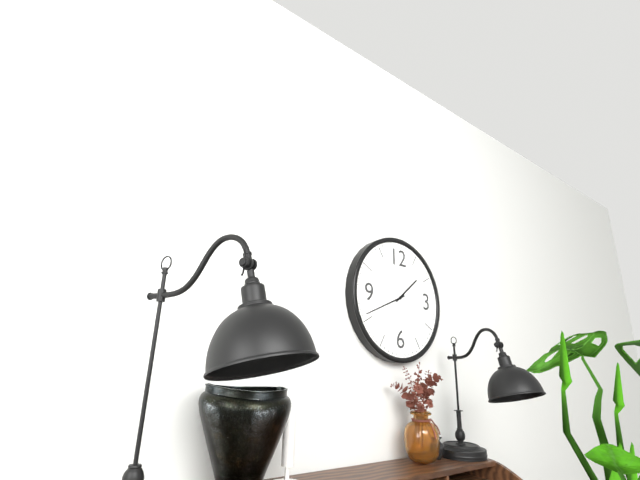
1:41
